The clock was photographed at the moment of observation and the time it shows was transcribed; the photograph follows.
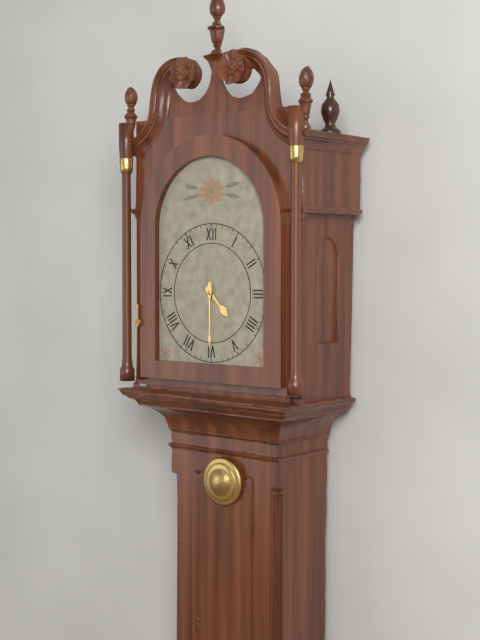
4:30
